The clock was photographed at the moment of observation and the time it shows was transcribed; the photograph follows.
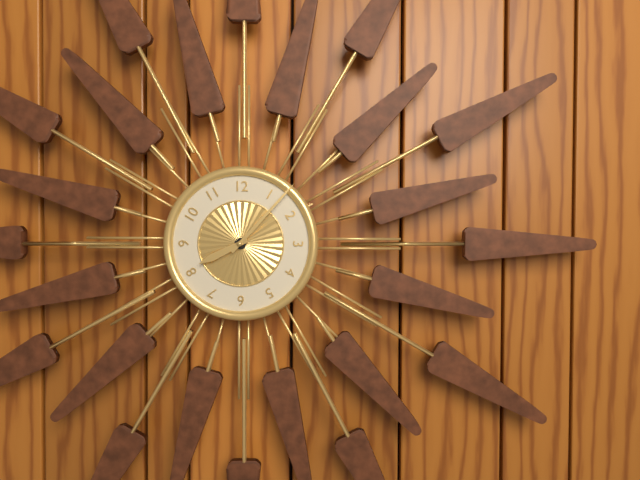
8:07
